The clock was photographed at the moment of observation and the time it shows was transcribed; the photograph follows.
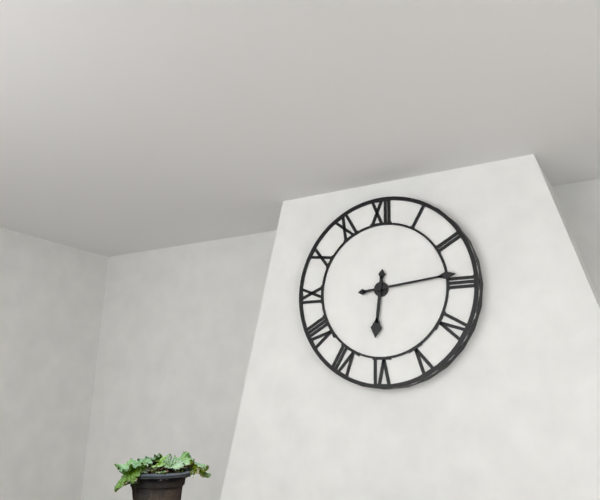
6:14
